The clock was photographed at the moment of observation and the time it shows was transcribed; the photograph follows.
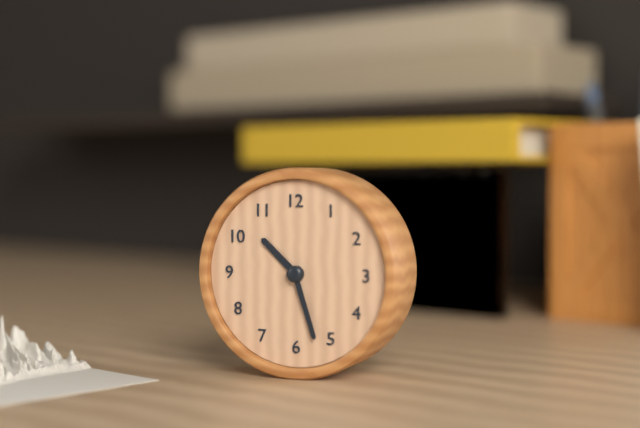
10:27
